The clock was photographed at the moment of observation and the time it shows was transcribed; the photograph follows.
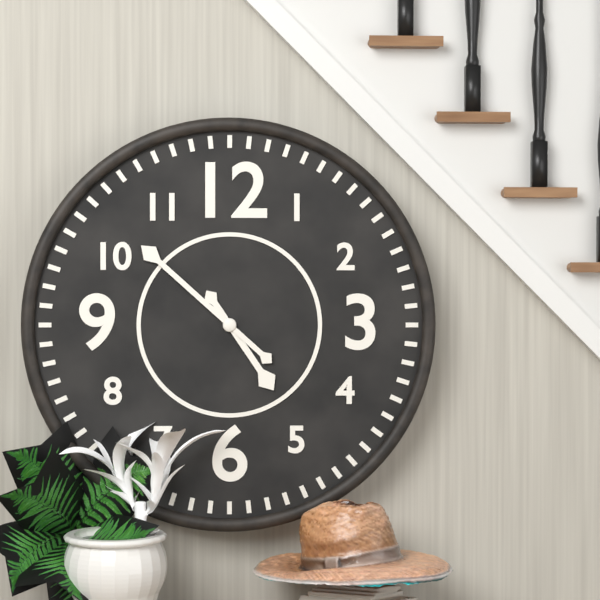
4:52
